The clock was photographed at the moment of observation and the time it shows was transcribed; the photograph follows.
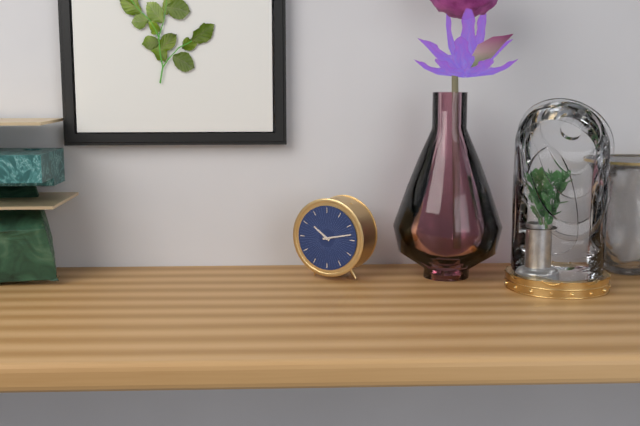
10:13
